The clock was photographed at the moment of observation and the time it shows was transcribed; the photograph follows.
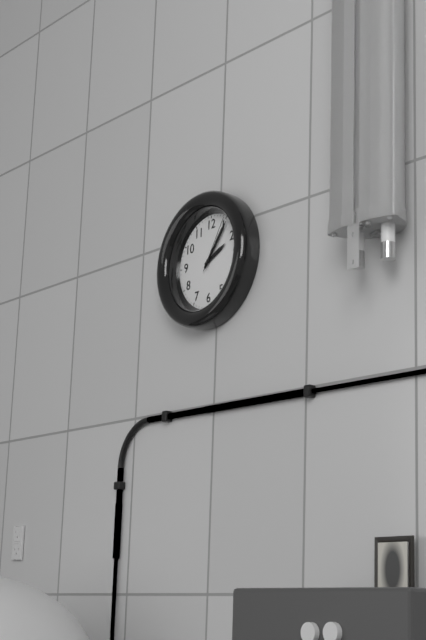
2:06:05
